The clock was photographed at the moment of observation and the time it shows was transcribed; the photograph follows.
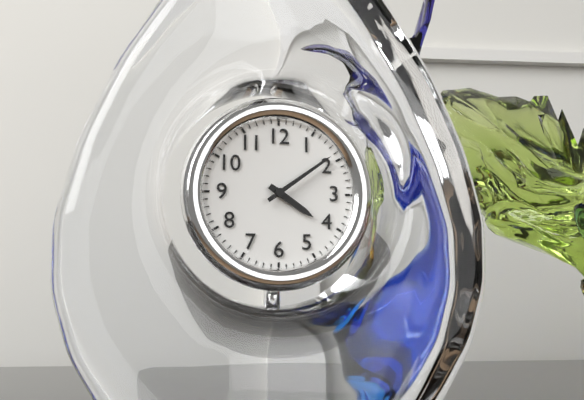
4:09
